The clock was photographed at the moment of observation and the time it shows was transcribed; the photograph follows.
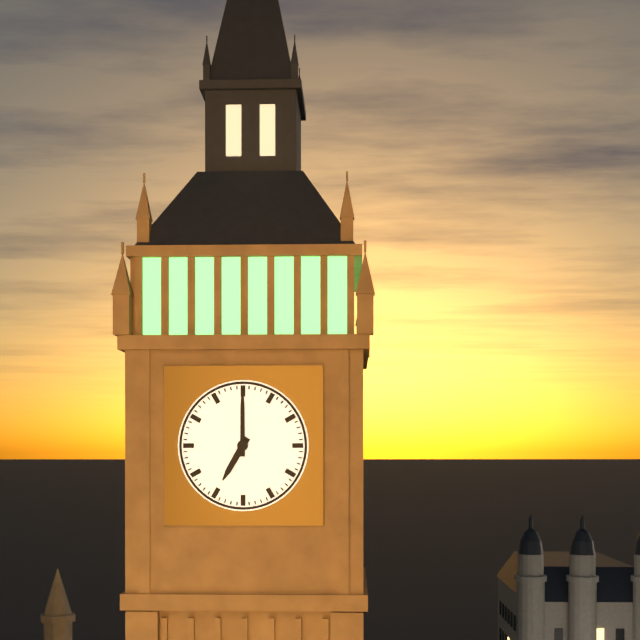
7:00
